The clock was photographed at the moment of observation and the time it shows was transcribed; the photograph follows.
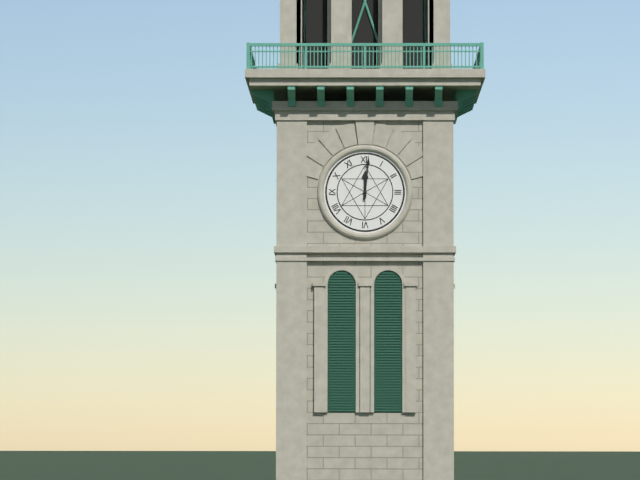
12:01
